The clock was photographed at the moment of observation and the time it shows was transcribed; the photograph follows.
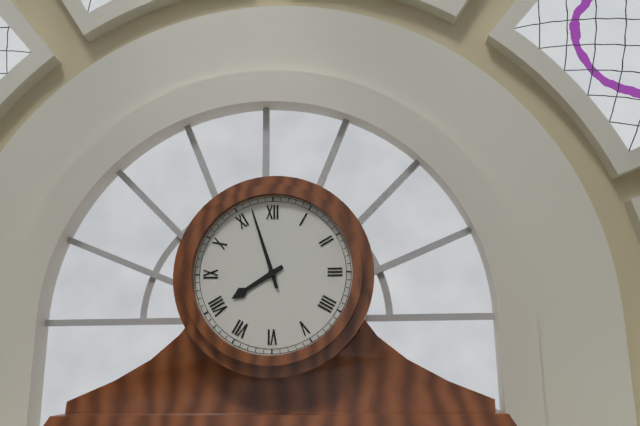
7:57
